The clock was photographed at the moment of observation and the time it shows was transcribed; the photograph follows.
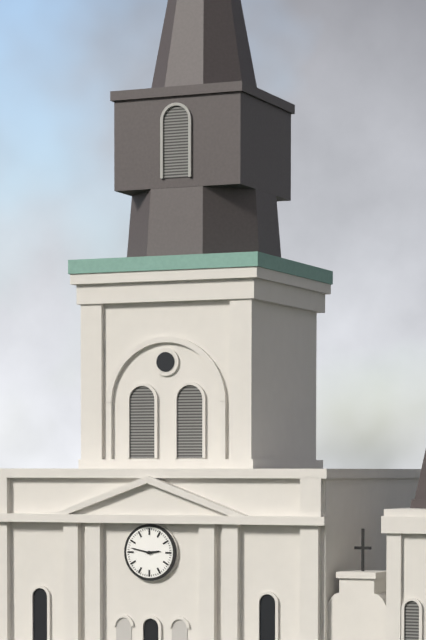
2:47
